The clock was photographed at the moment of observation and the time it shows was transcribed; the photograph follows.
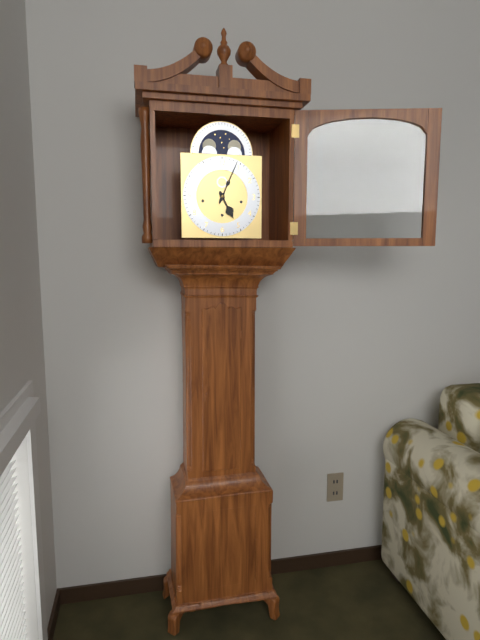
5:04
